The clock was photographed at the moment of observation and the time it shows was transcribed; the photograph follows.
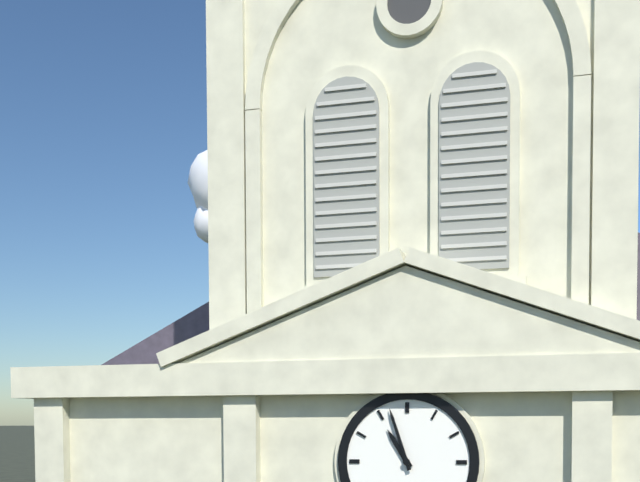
10:57
